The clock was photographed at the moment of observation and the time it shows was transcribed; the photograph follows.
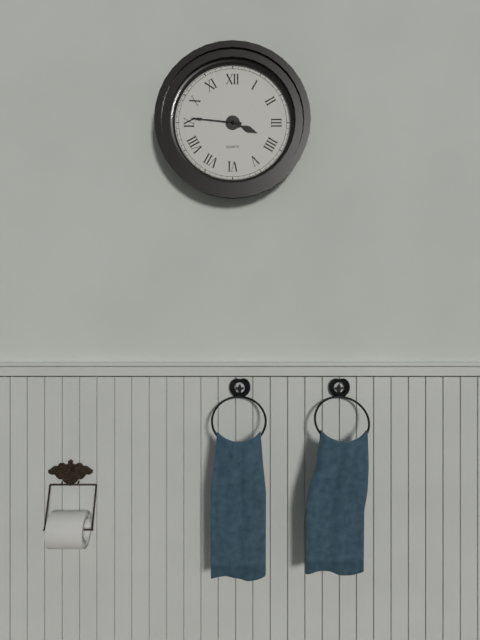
3:46
